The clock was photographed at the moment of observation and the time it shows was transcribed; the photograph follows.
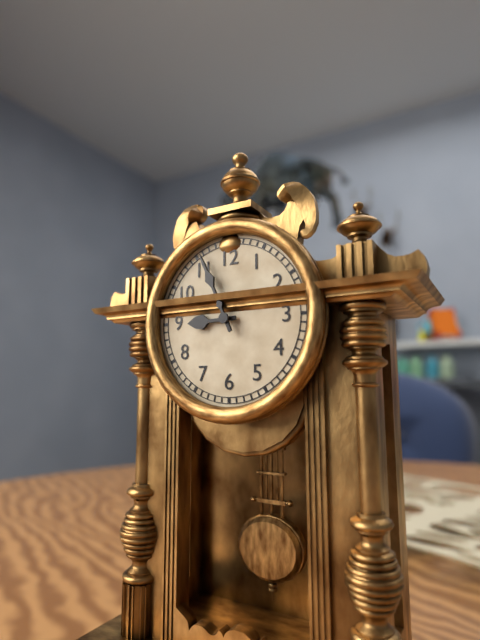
8:56
